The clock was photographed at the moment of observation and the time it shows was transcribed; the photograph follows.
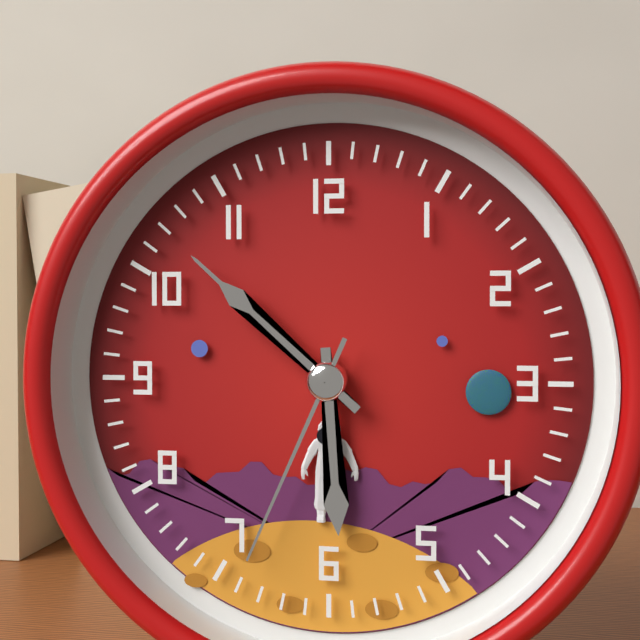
5:52:34
